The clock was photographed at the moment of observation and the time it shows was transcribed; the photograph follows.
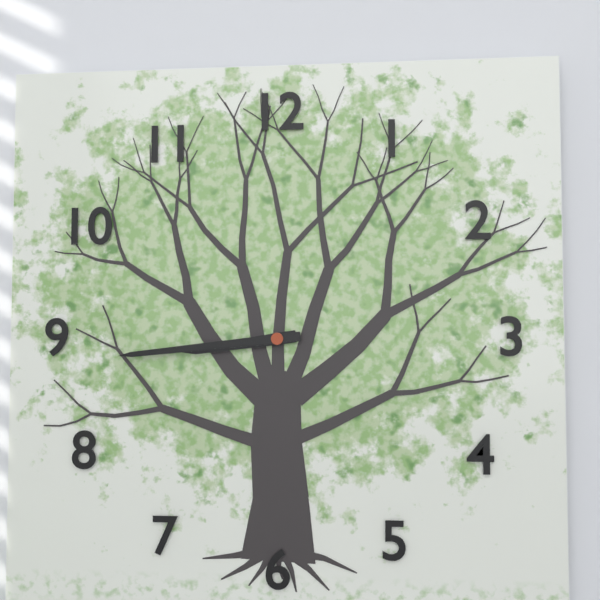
8:44
